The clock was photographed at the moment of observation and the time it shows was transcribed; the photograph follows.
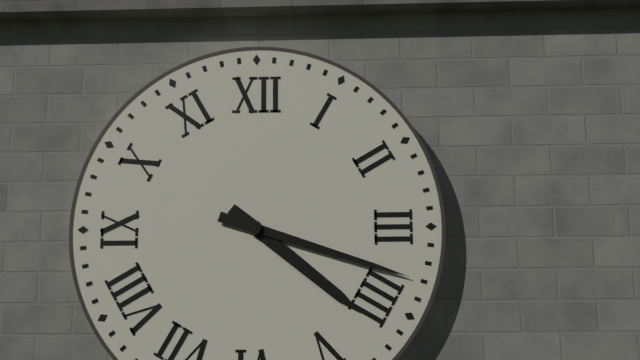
4:18
